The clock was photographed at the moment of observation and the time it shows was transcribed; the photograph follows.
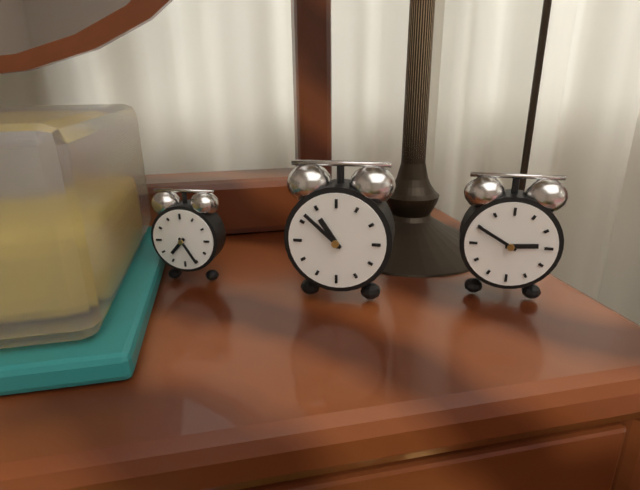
10:52
